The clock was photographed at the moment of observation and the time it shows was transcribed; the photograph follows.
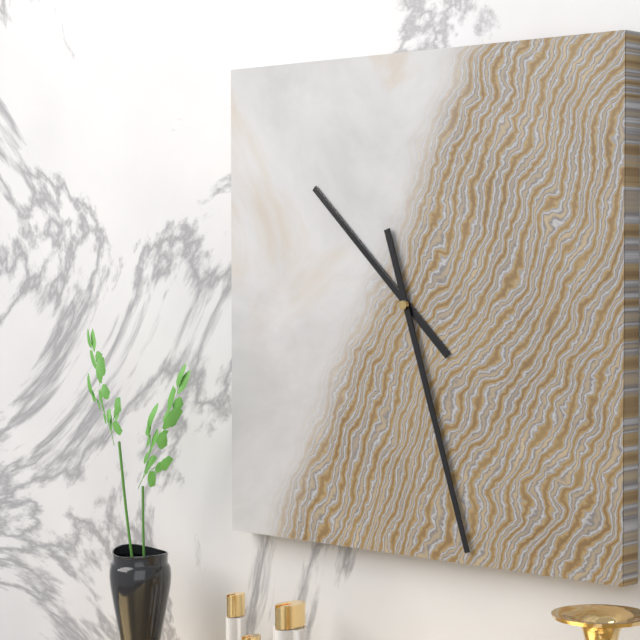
10:27
